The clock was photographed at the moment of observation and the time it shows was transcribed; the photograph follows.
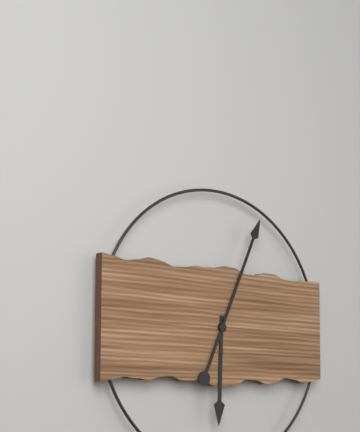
6:04
